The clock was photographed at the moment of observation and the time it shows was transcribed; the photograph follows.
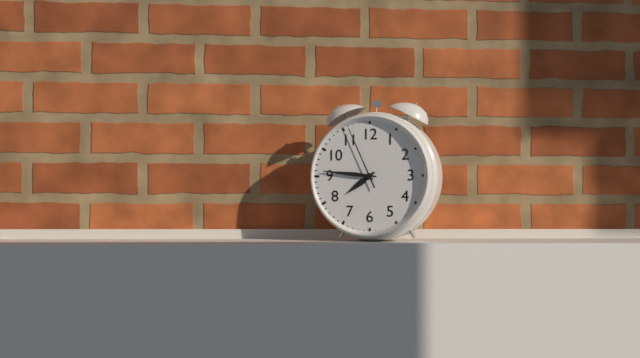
7:46:56
